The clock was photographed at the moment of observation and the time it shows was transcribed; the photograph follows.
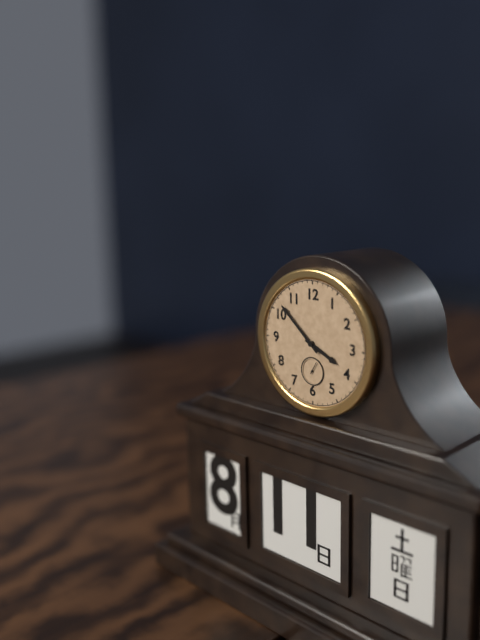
3:52
